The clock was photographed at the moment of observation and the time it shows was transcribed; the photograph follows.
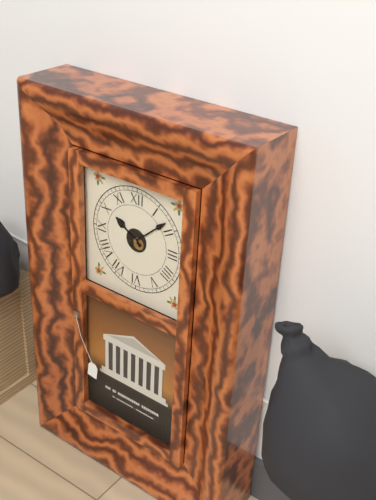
10:08
